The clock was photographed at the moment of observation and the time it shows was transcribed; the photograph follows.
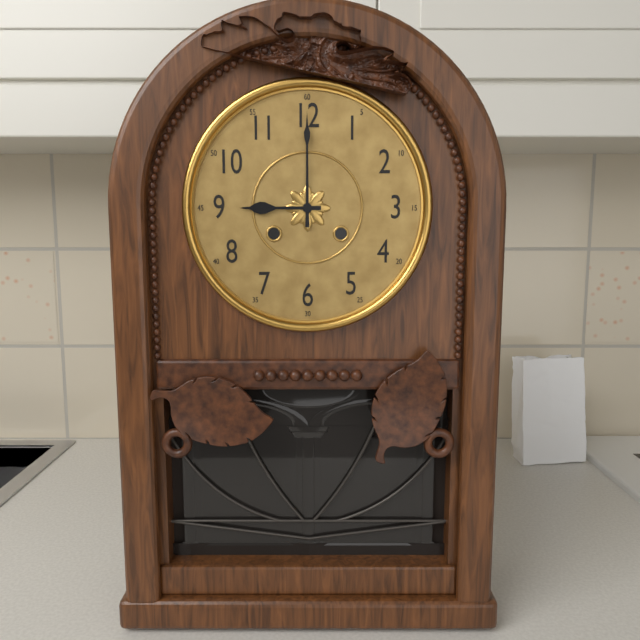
9:00
